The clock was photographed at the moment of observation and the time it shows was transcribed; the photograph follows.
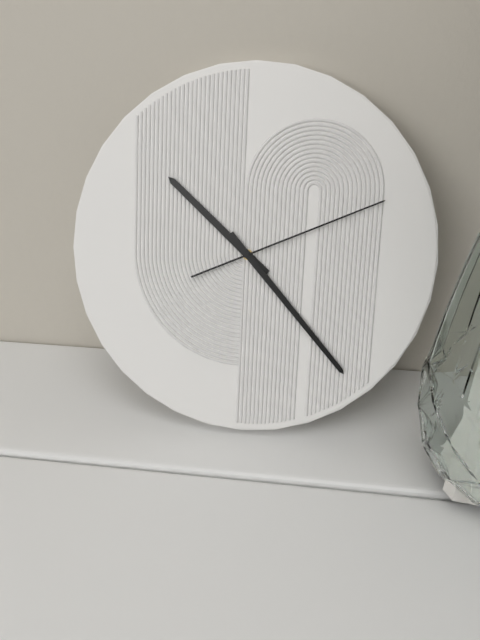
10:23:11
